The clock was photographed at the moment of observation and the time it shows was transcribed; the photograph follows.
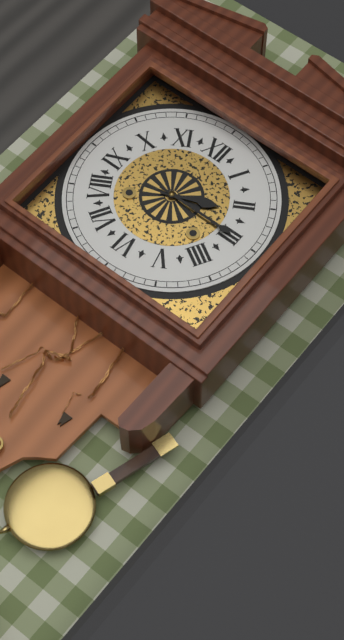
2:15
